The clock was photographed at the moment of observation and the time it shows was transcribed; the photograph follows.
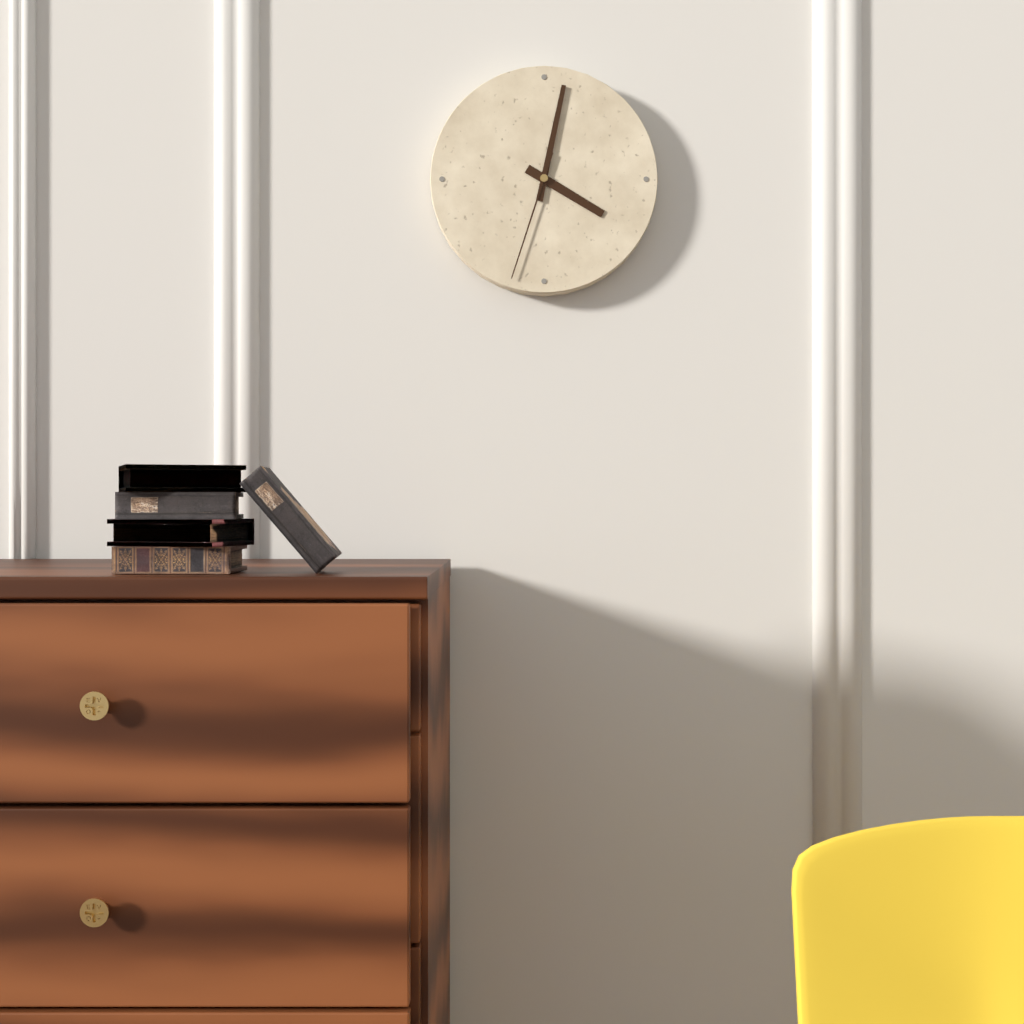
4:02:33
